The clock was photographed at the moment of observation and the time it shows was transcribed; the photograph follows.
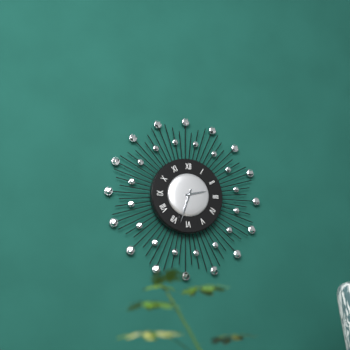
2:33
